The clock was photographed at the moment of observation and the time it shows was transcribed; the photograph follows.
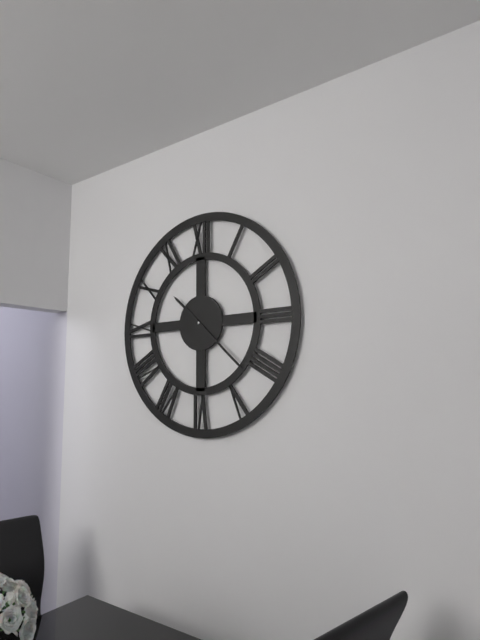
10:22
